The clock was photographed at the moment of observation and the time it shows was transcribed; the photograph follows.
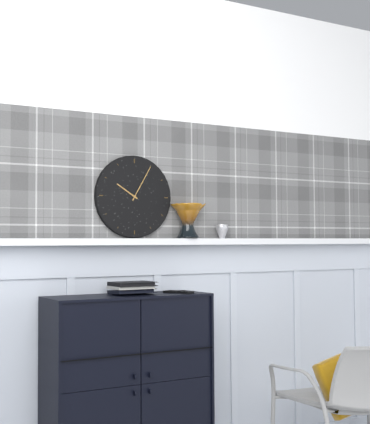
10:05
